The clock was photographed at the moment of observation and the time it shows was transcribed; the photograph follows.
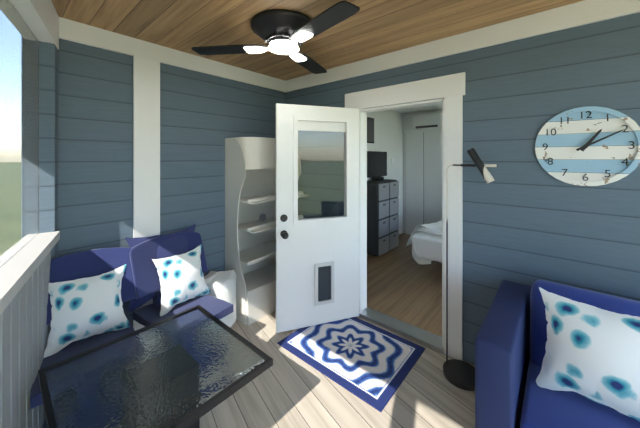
1:10
